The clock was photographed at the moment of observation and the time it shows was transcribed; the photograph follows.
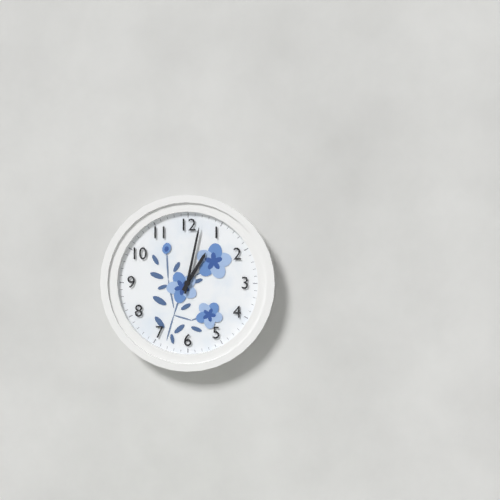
1:02
